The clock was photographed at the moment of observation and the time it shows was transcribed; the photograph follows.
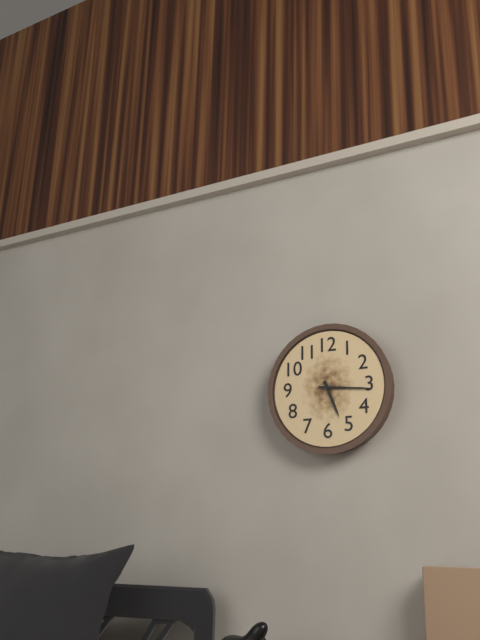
5:16
